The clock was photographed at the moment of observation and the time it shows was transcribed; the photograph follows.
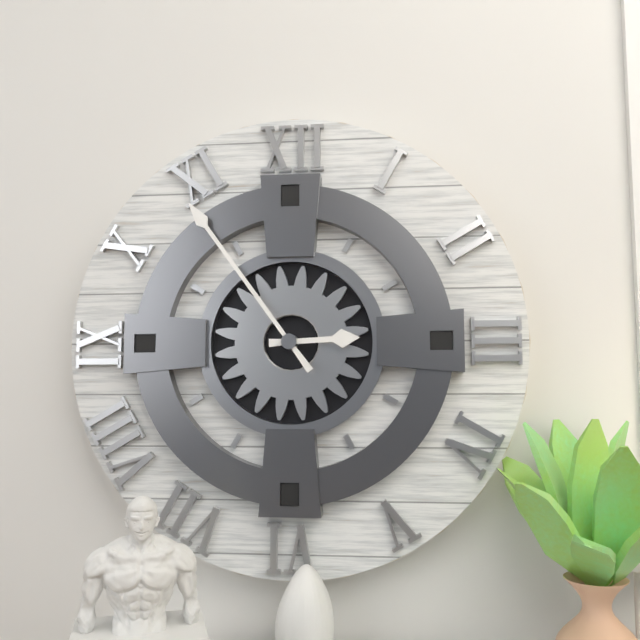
2:54
